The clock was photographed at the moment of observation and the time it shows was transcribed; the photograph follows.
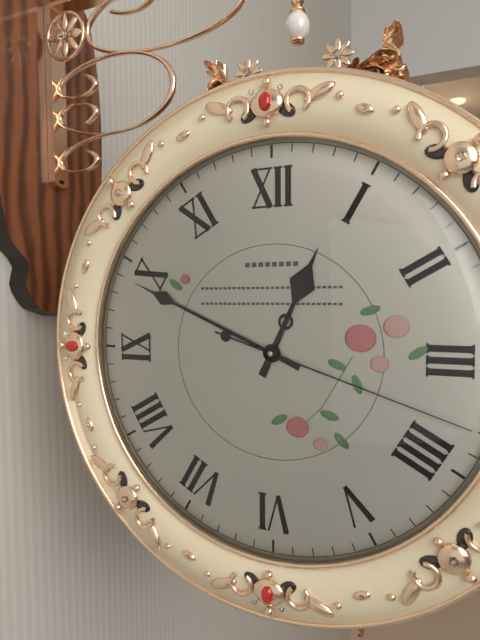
12:49:18
